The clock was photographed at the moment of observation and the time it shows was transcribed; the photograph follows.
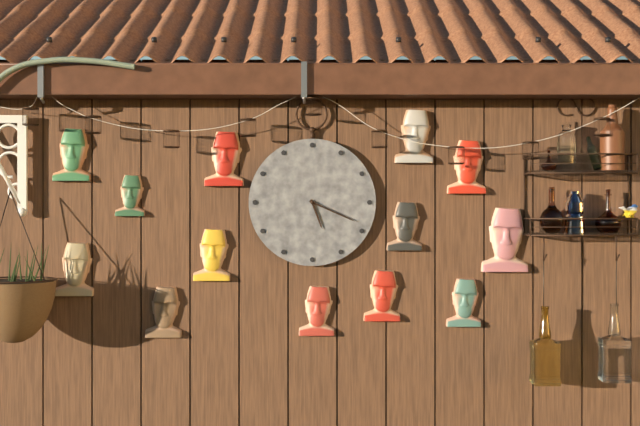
5:19
